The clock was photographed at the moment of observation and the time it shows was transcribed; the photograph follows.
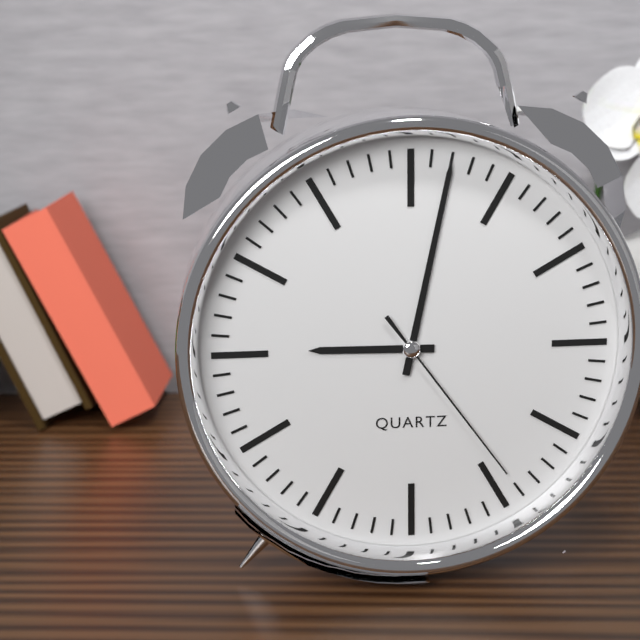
9:02:24
